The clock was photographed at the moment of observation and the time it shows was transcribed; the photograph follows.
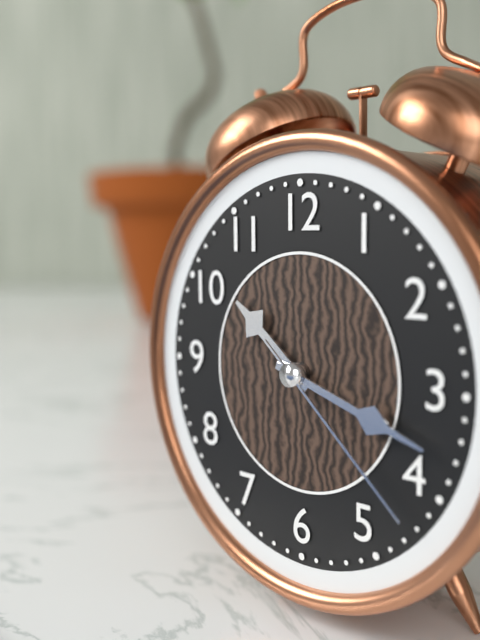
10:18:22
